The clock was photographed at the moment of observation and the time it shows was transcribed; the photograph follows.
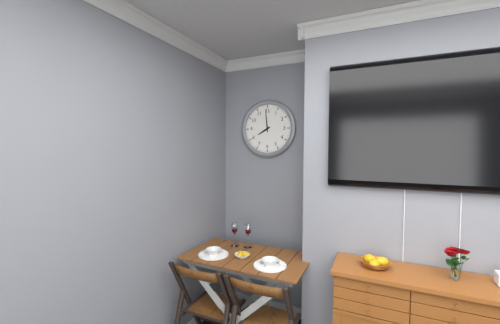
7:59
